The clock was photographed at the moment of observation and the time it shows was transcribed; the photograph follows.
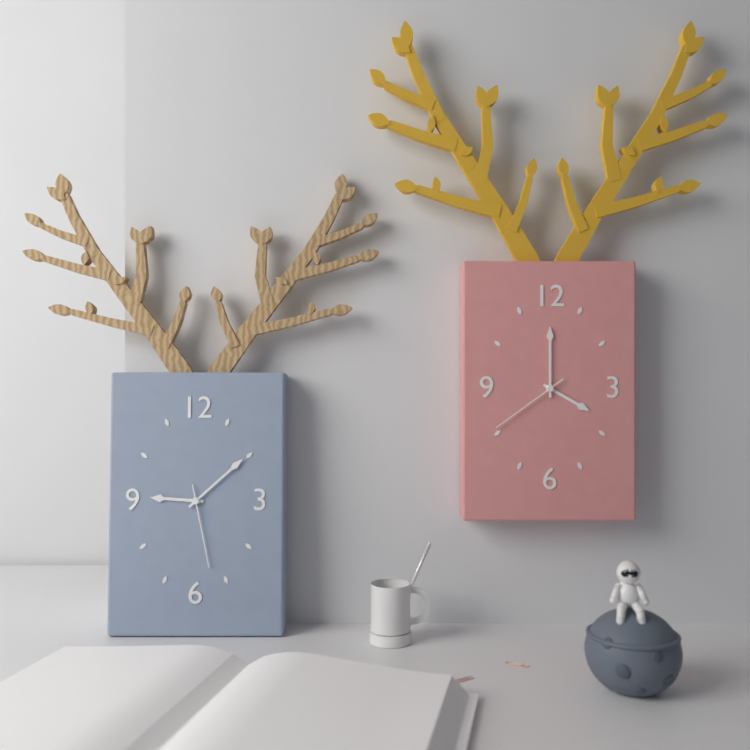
9:08:28
